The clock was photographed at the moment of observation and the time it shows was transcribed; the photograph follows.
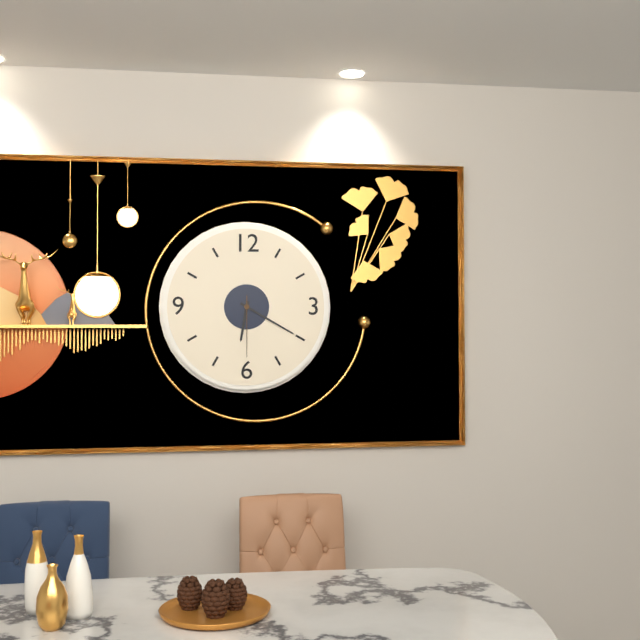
6:20:30
